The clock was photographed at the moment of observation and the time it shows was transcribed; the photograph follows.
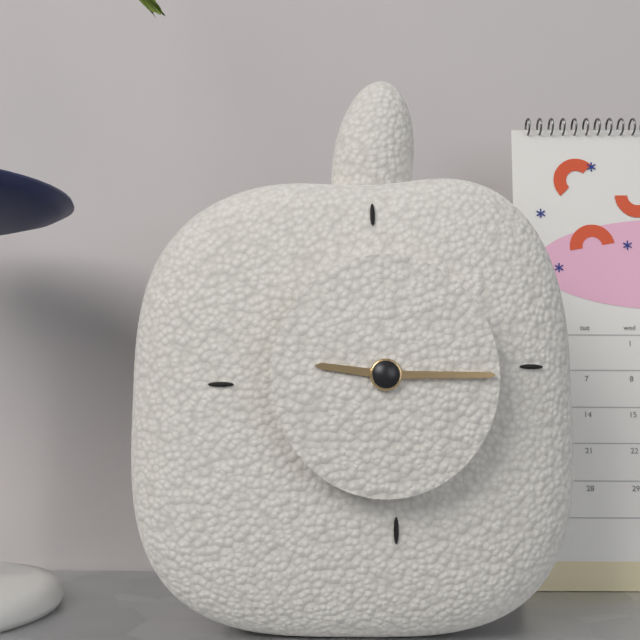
9:15
